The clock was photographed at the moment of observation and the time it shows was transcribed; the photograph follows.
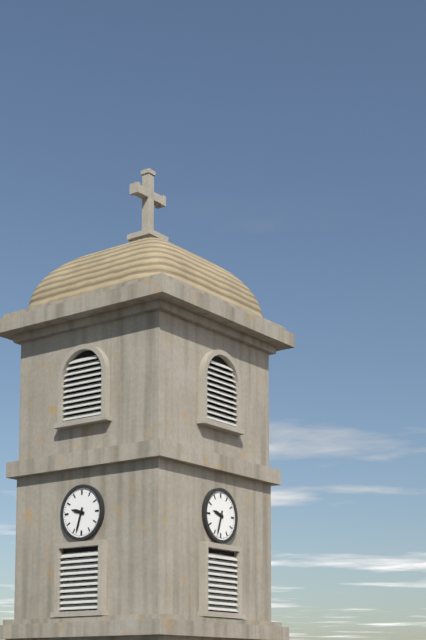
9:33
